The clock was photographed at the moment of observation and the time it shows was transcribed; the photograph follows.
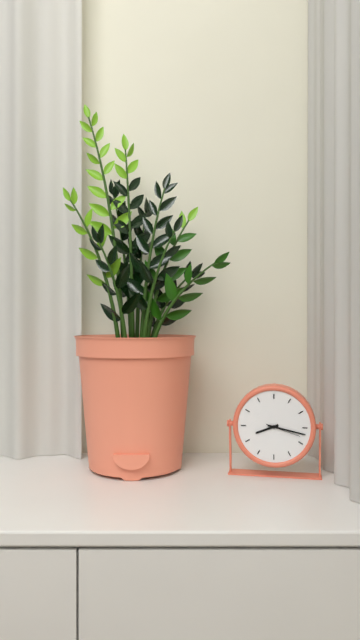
8:17
